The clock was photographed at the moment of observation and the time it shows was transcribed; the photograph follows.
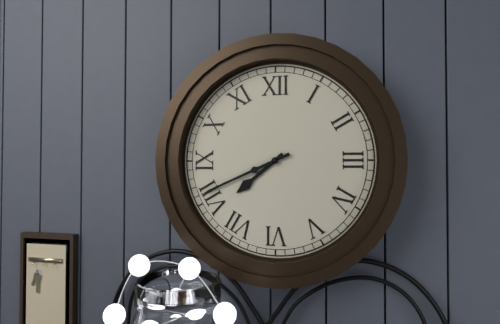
7:41
